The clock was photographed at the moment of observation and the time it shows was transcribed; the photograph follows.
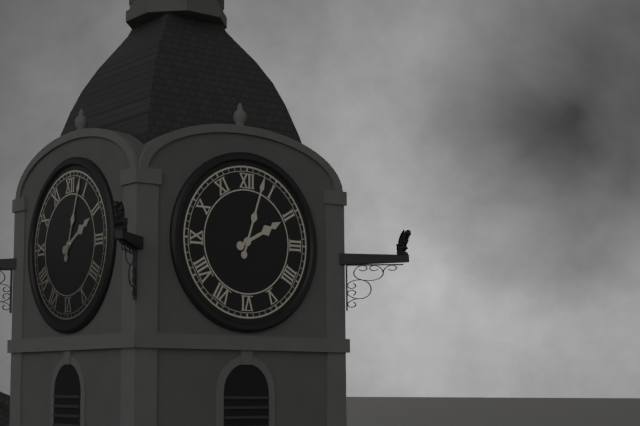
2:03
